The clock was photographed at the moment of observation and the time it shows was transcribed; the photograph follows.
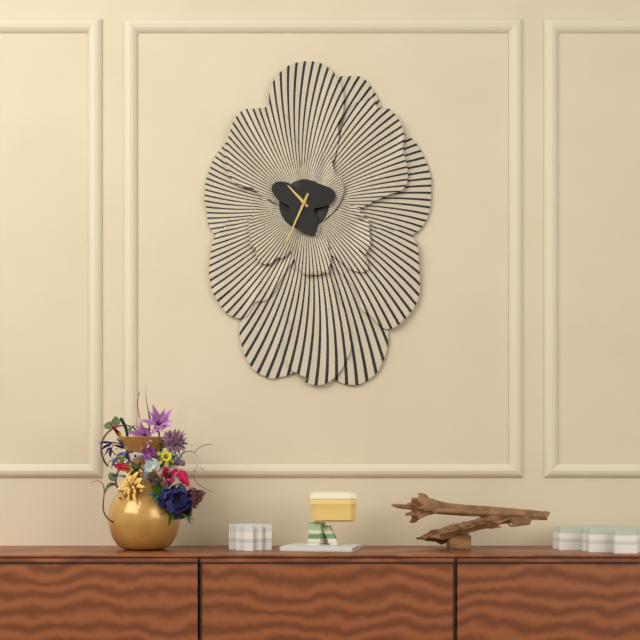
10:34
